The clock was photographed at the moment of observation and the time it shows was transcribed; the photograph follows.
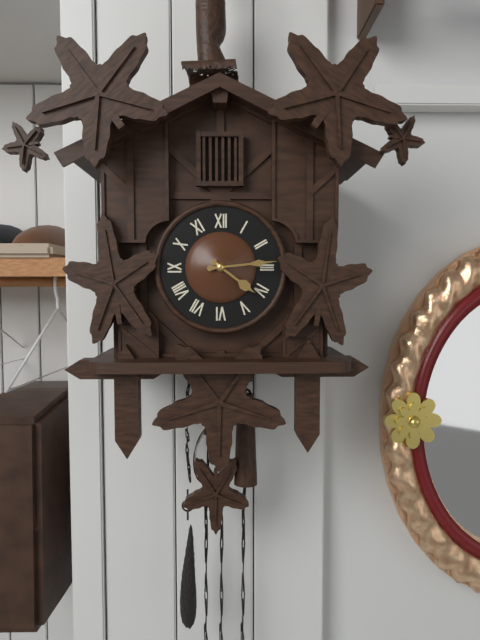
4:14
